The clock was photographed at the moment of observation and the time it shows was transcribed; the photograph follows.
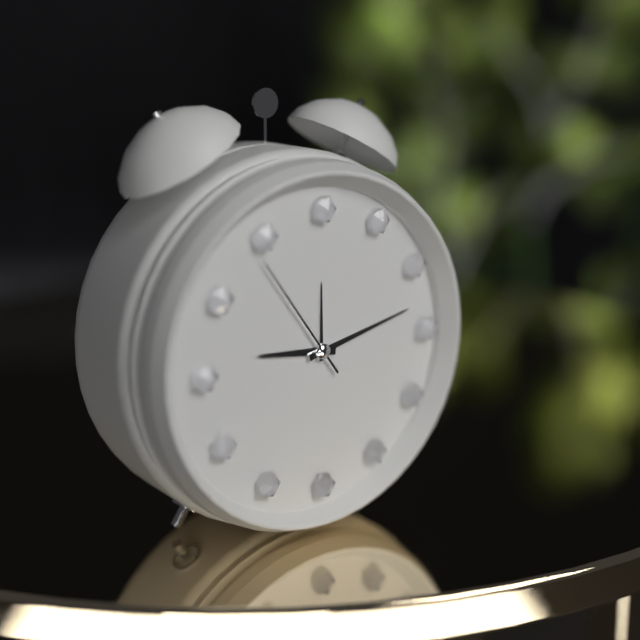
9:13:54
